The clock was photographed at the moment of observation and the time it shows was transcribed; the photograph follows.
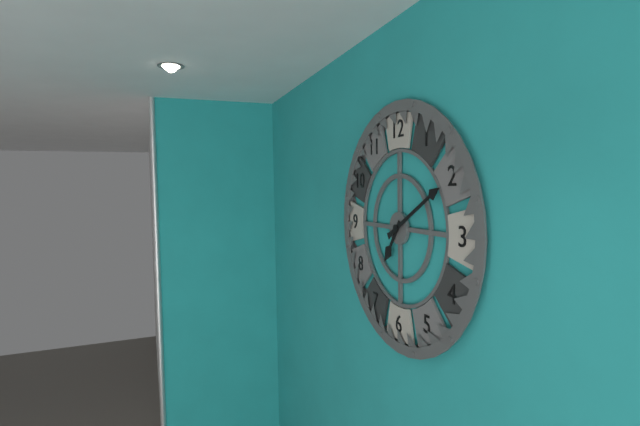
7:10
